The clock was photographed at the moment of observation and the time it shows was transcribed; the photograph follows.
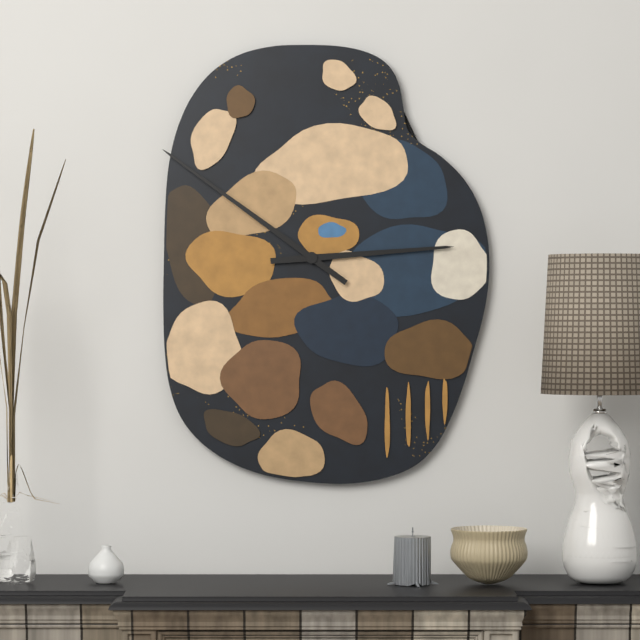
2:51
